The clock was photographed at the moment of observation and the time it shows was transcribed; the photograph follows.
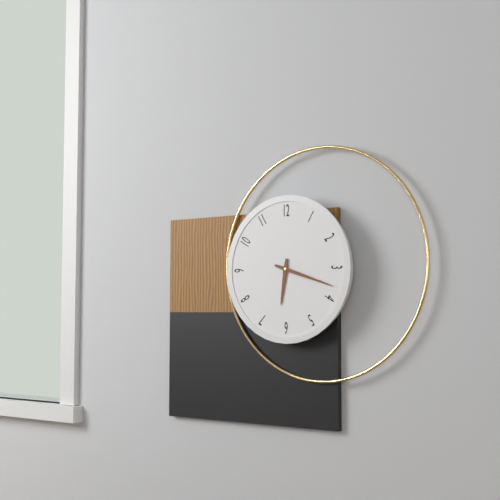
6:18
